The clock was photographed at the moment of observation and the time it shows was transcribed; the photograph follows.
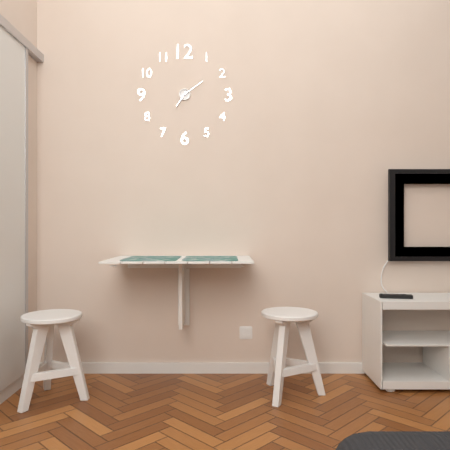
7:09
